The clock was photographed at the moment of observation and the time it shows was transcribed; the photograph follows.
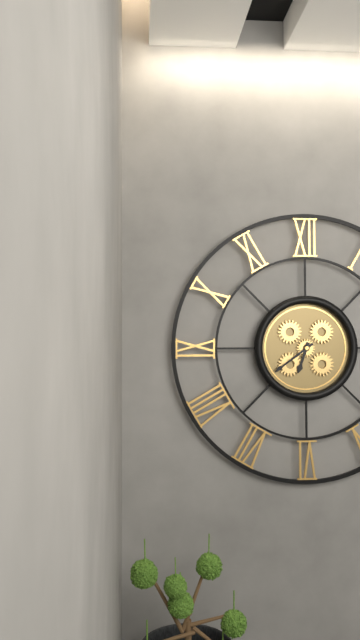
6:39
